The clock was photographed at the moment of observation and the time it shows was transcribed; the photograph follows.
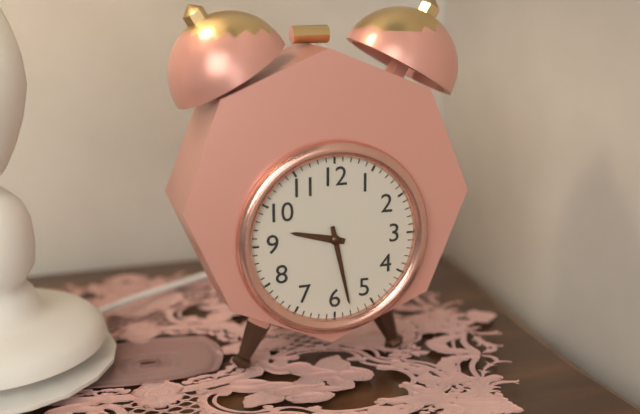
9:28
